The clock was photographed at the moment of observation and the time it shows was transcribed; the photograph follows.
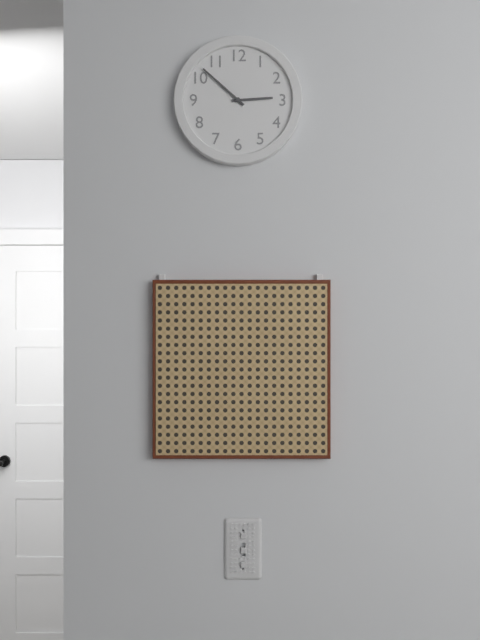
2:52
